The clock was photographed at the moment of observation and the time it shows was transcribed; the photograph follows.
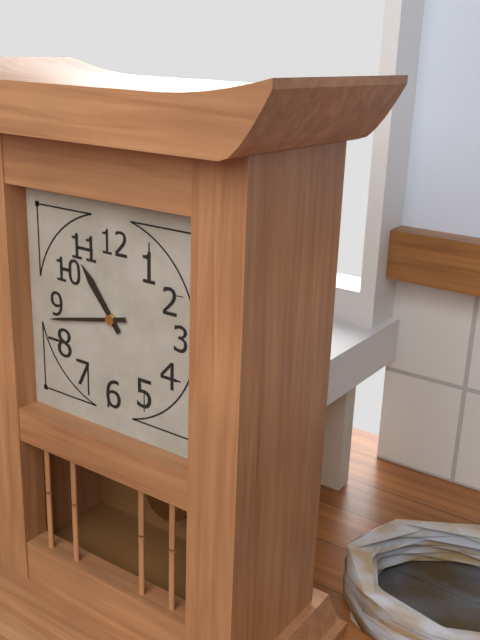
10:43
